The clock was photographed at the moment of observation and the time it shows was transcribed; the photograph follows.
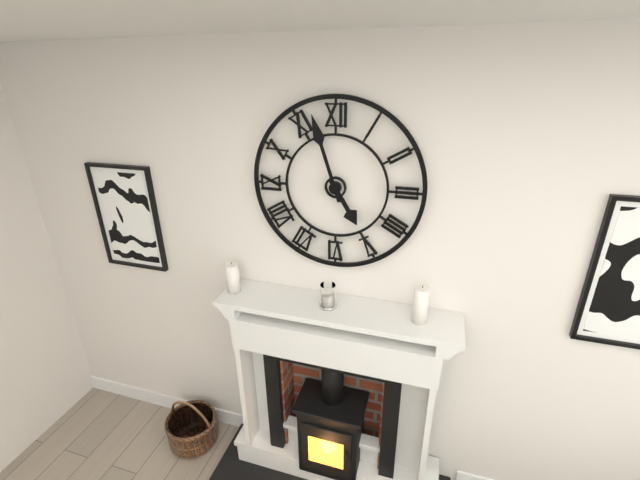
4:57
